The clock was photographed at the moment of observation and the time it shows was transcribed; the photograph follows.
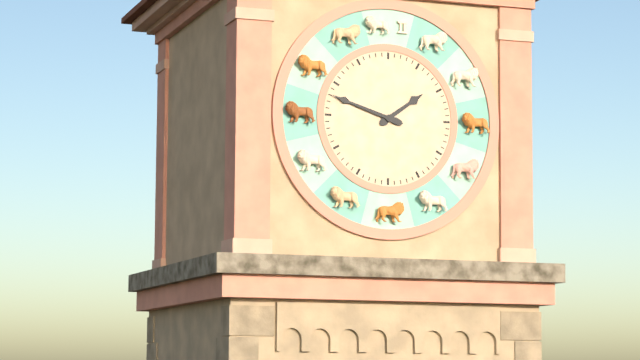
1:48
